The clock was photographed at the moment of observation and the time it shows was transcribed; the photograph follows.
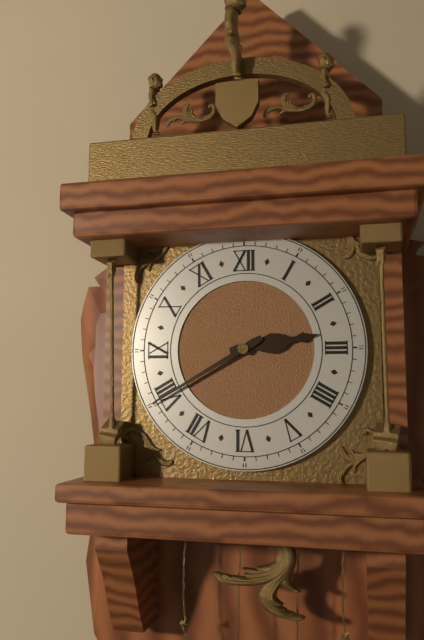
2:40
